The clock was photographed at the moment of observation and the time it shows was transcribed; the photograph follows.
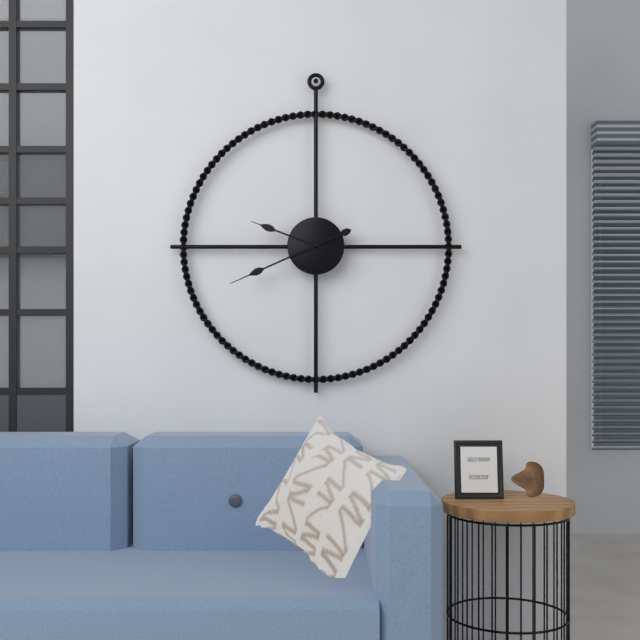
9:41
